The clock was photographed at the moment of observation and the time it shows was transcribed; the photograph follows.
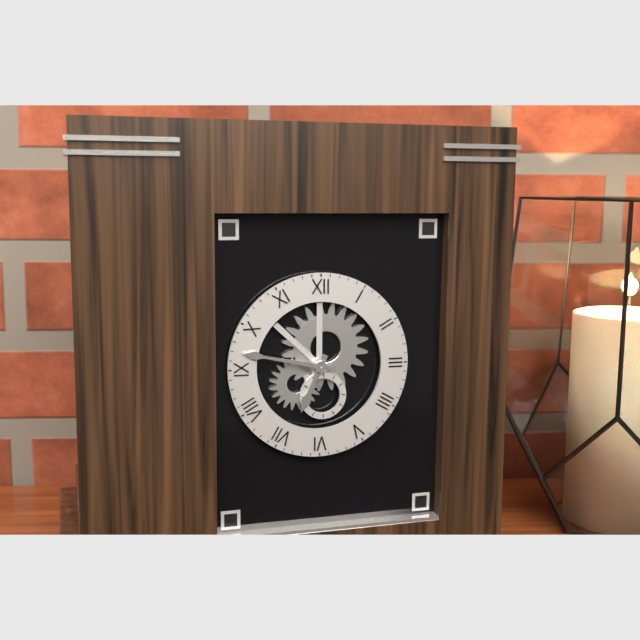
6:47
